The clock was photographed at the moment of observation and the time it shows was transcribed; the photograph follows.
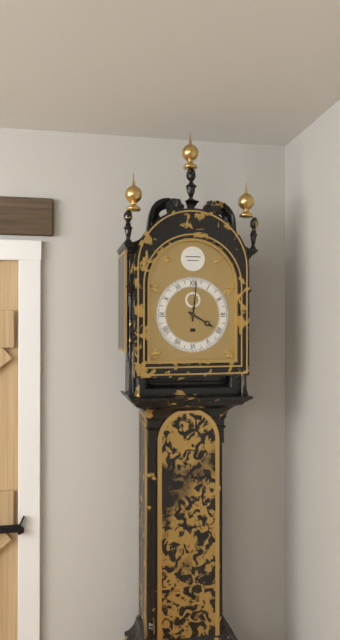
4:01
